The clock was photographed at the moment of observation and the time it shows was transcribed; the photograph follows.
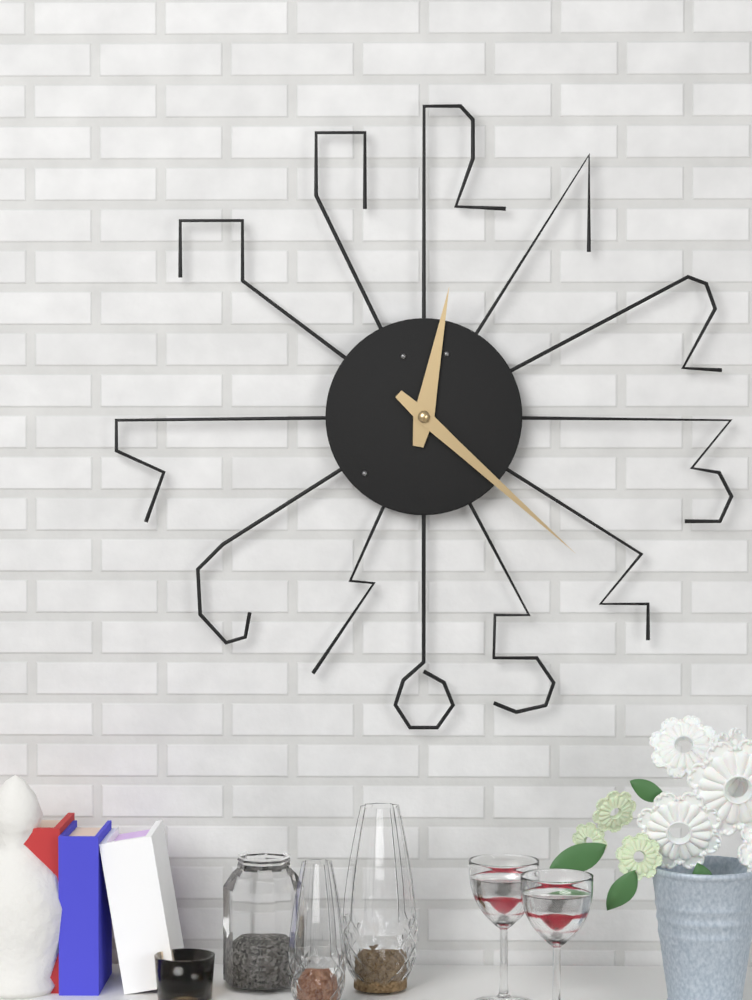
12:22
